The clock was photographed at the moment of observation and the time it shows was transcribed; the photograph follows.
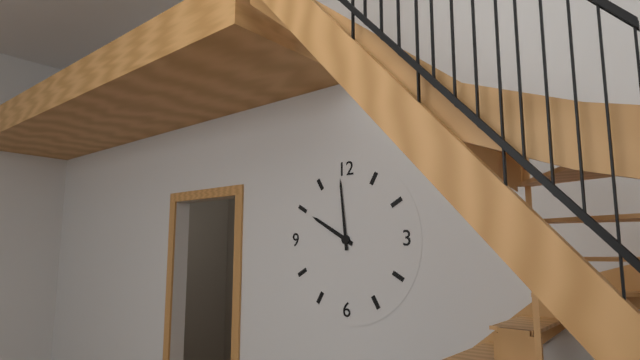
9:59
